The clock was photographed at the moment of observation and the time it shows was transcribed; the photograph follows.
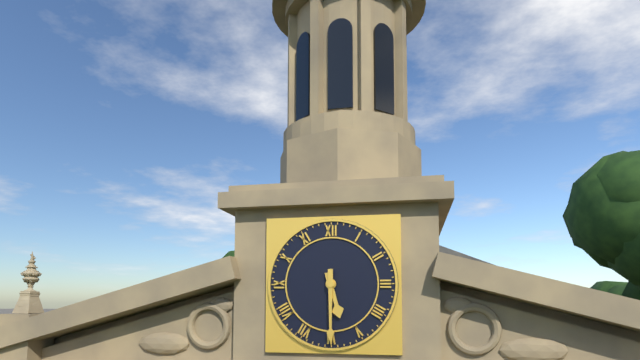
5:30
